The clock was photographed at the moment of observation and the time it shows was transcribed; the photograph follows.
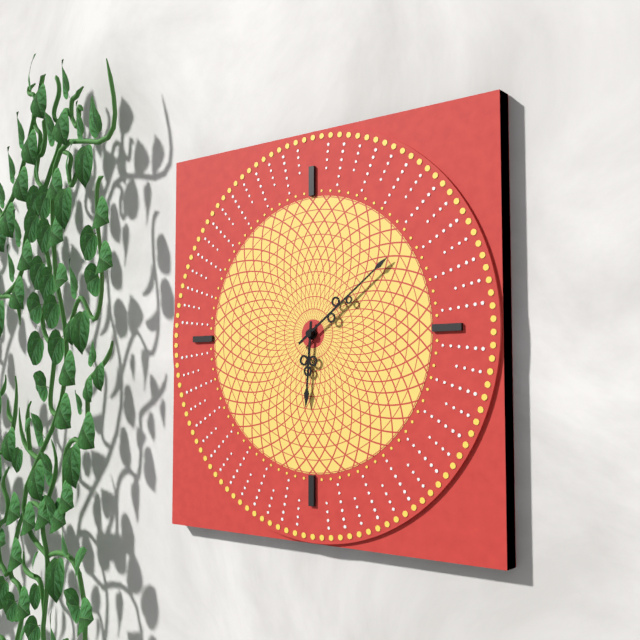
6:09
